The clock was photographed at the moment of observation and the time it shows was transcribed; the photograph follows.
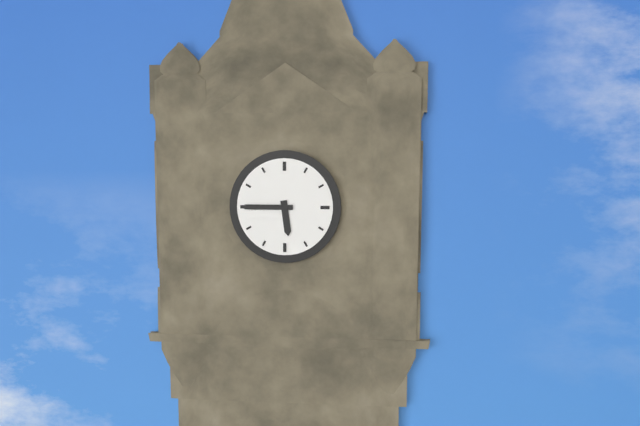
5:45
